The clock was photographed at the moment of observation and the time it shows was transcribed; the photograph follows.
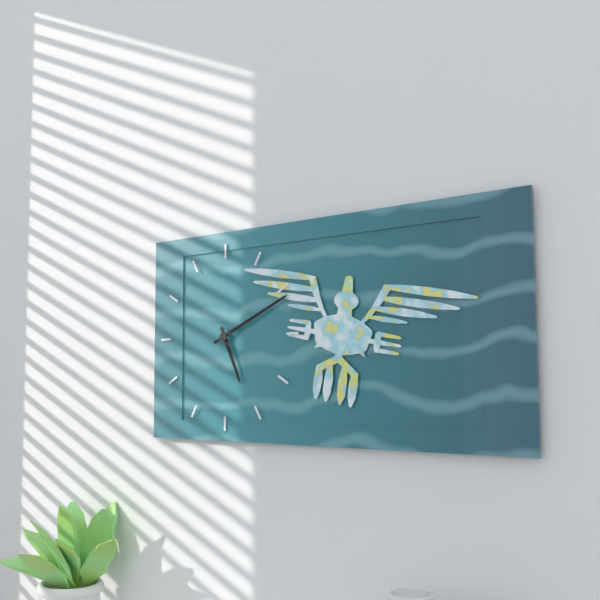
5:11
